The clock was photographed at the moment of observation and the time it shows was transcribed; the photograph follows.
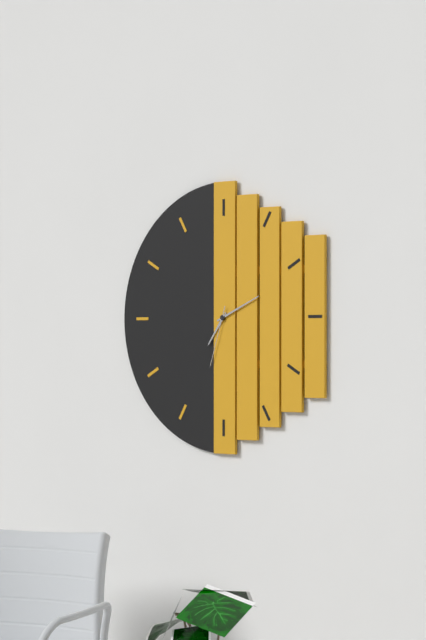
7:11:33
